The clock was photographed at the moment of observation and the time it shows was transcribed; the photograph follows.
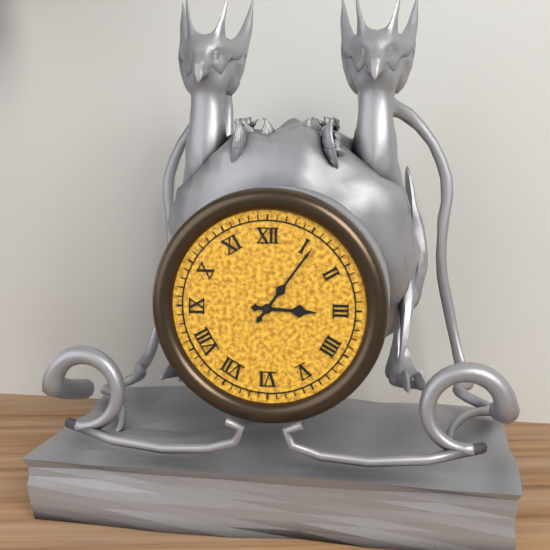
3:06
